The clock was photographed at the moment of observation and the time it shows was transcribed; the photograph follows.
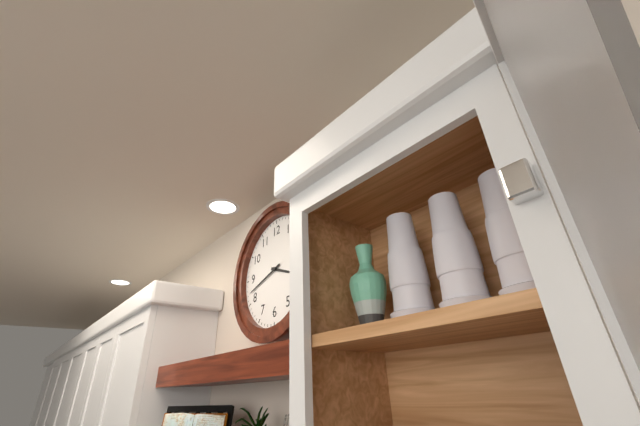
3:42
